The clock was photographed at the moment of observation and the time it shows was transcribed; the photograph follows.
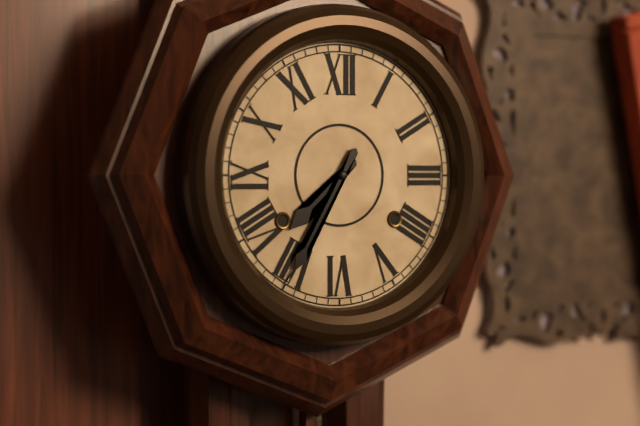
7:35
